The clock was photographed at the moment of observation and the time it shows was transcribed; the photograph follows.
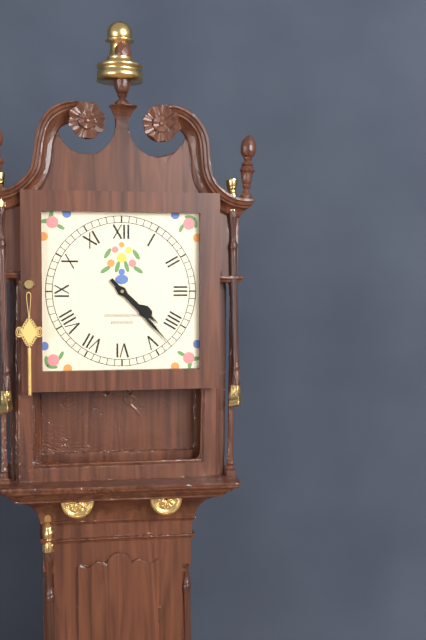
4:23
